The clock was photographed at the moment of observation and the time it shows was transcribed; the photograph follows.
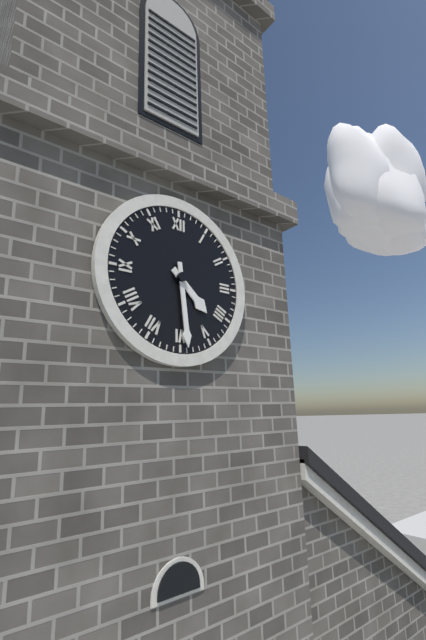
4:29
